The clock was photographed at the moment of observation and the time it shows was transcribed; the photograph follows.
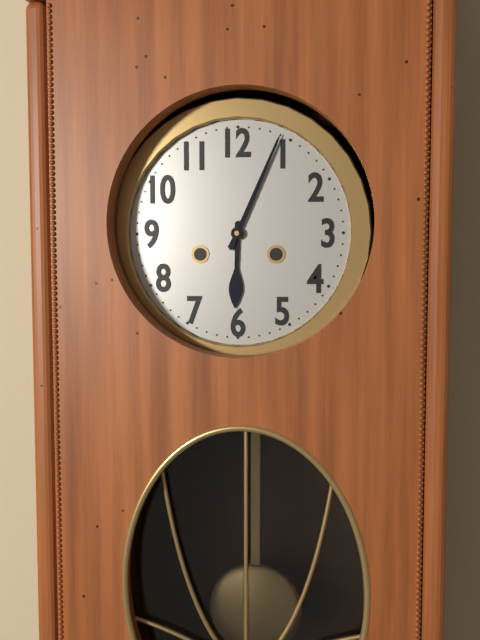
6:04
